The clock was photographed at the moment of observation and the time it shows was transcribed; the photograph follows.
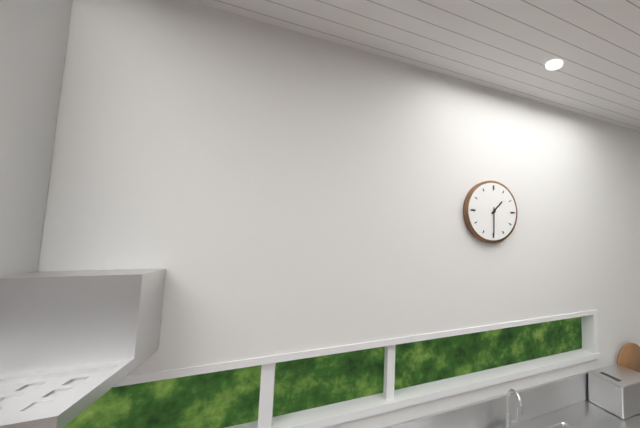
1:30
